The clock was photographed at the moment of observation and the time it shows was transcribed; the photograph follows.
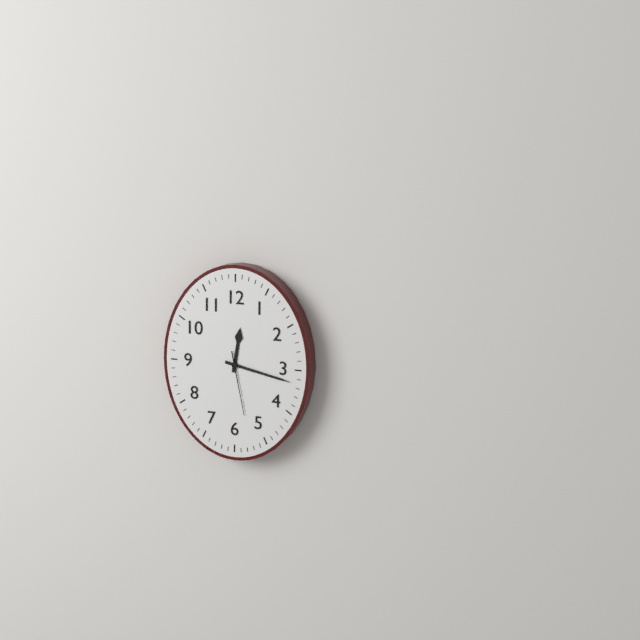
12:17:28
